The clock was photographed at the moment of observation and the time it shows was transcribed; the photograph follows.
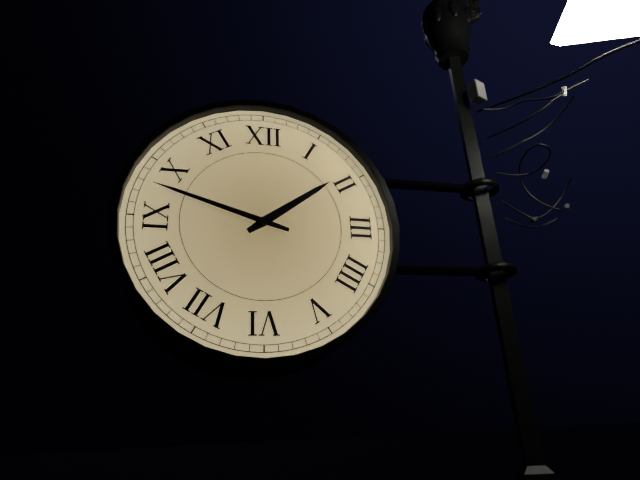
1:48
